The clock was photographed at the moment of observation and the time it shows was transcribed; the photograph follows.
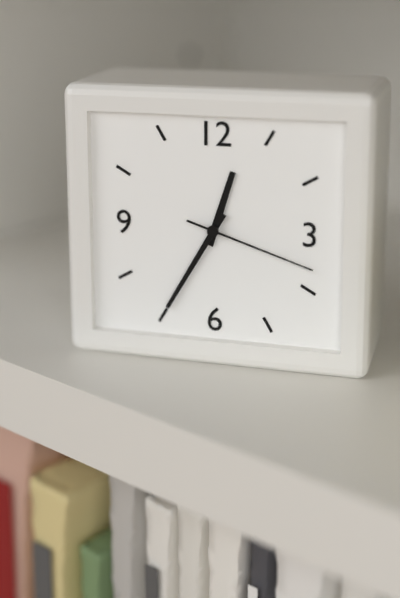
12:35:18
